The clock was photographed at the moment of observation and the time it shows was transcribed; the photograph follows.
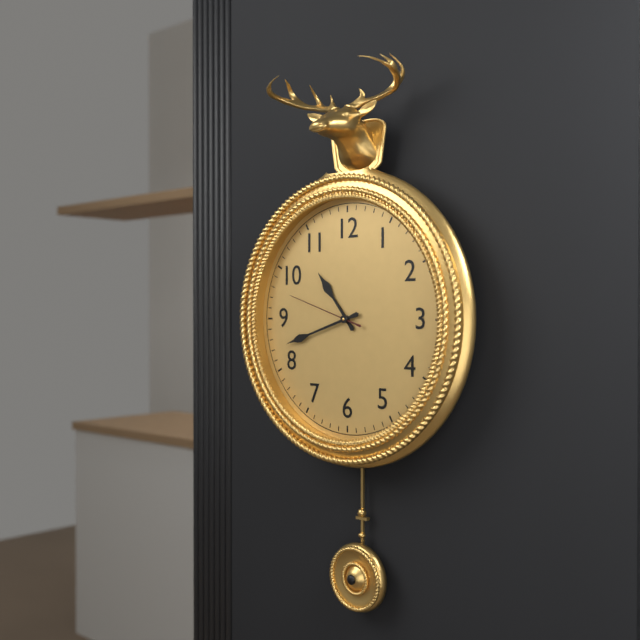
10:42:48
